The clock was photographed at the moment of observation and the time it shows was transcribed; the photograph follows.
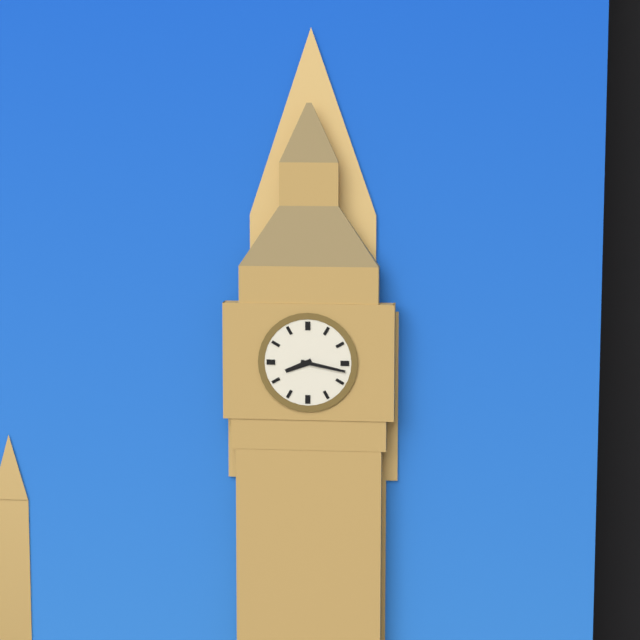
8:17
